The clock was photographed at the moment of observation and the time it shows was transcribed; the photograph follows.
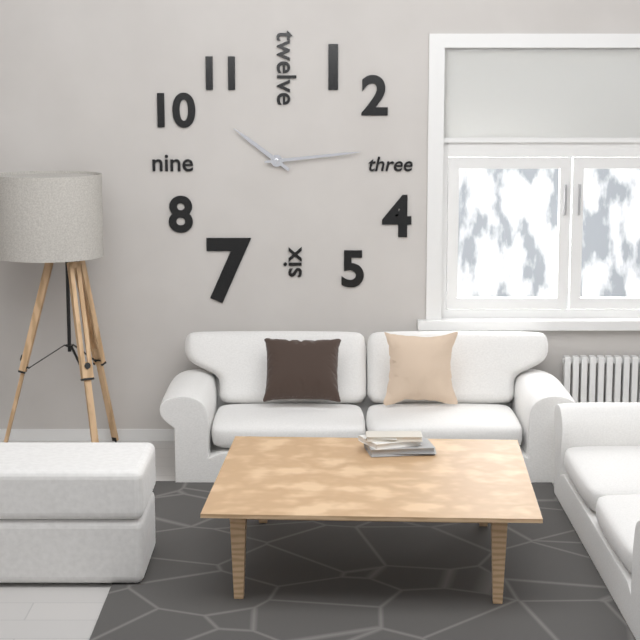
10:14
